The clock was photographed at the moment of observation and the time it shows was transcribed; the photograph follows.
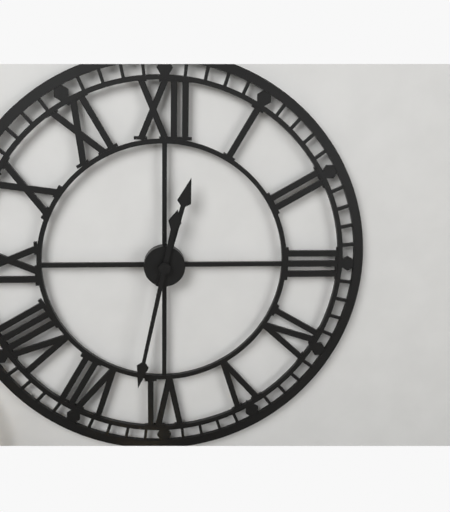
12:32
